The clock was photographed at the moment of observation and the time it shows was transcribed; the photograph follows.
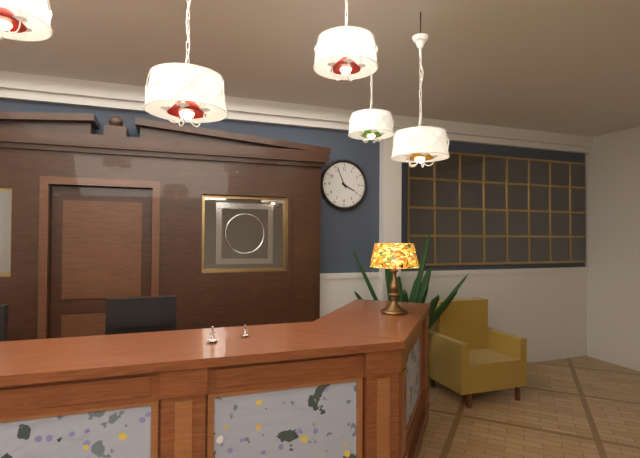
3:56
